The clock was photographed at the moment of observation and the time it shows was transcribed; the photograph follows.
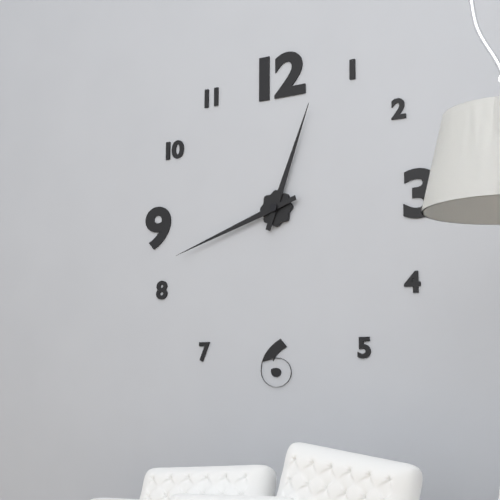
12:42
